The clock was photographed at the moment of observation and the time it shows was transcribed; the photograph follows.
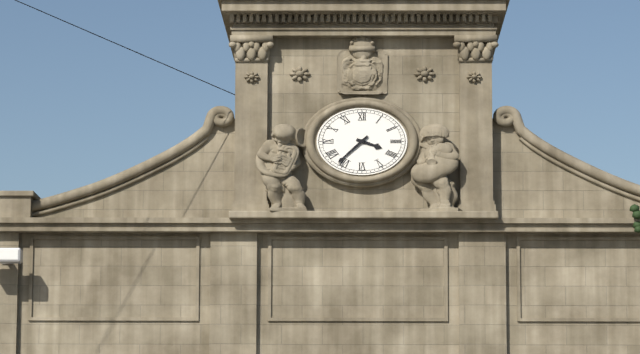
3:38
